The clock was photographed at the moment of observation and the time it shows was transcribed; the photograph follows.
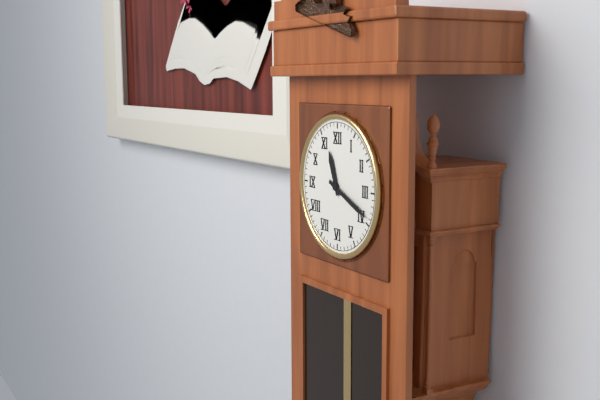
11:19
